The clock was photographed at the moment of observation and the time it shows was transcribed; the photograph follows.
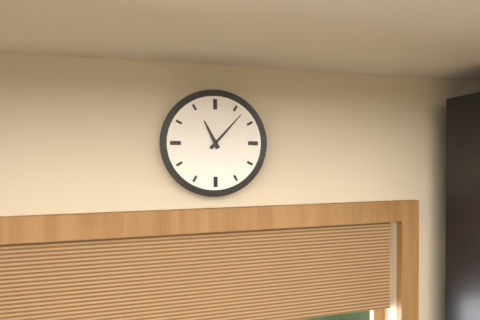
11:07
